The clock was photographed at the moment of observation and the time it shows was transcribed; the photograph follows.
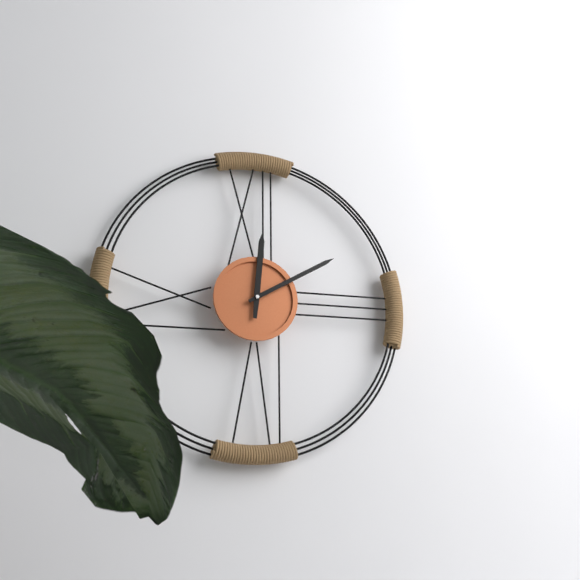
12:10
